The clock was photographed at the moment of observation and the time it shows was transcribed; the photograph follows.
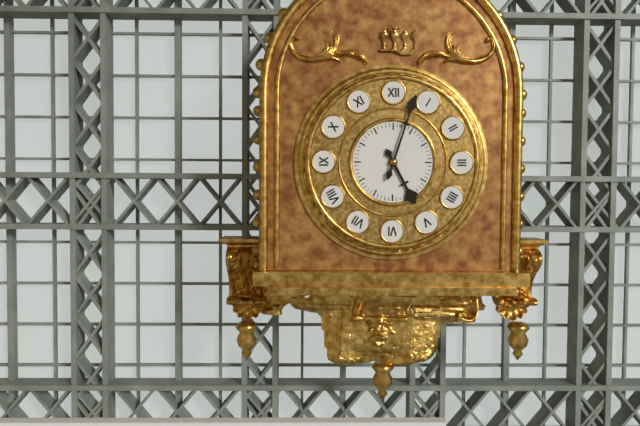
5:03
